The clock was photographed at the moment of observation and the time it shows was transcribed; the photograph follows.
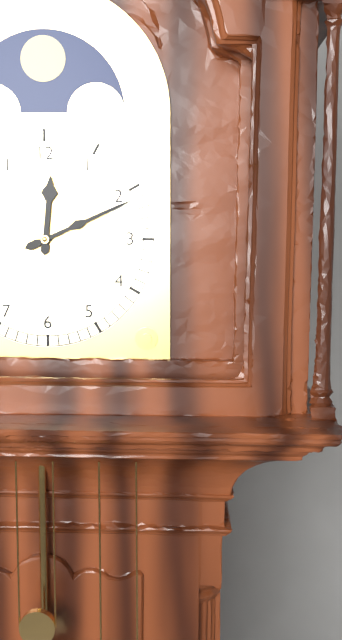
12:11
